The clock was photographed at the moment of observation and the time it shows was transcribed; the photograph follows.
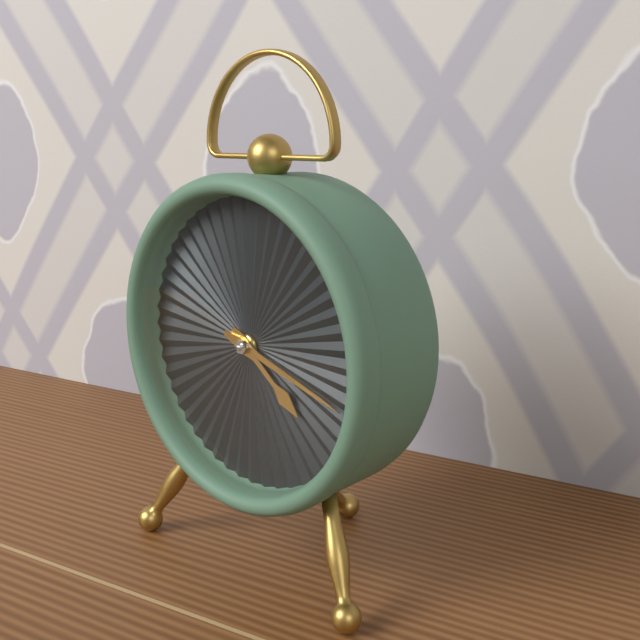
4:18
